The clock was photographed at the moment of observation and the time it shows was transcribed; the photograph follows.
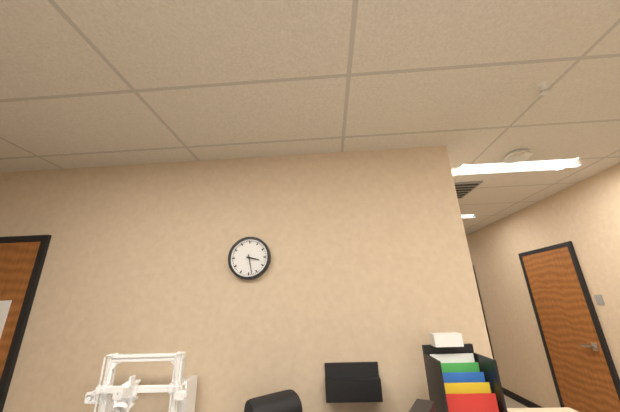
3:28
